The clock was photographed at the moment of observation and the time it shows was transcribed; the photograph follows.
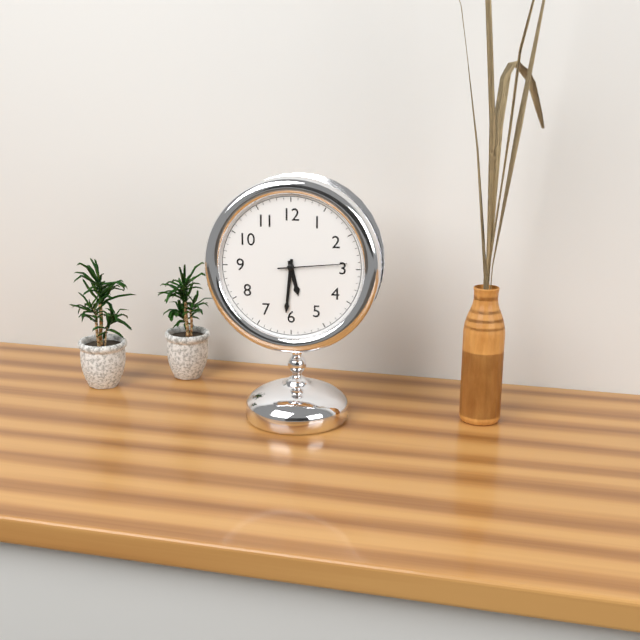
5:31:14
